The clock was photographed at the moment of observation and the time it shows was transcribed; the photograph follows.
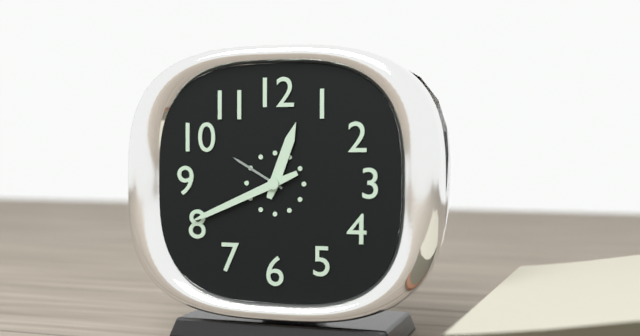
12:41
